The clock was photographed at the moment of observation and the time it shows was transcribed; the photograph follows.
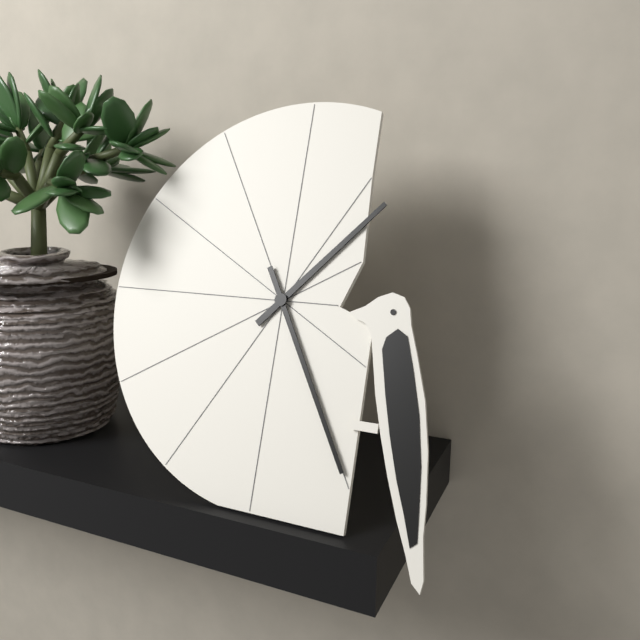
1:25
